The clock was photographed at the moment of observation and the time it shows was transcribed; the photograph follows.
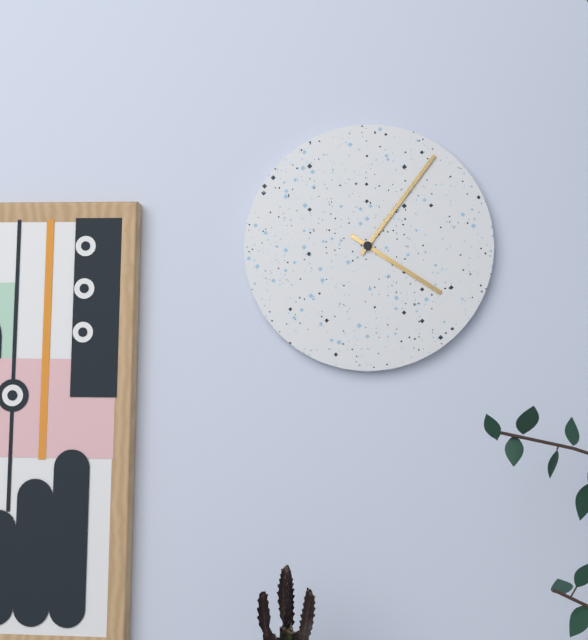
4:06
